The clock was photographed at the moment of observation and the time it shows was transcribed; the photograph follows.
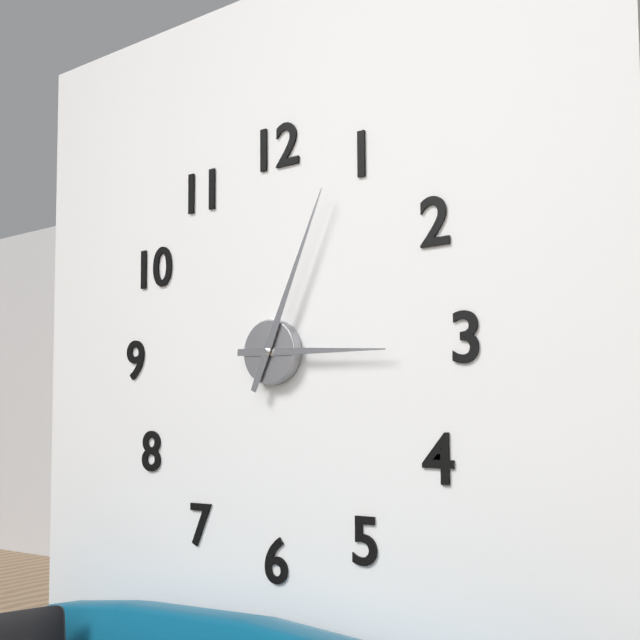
3:04
